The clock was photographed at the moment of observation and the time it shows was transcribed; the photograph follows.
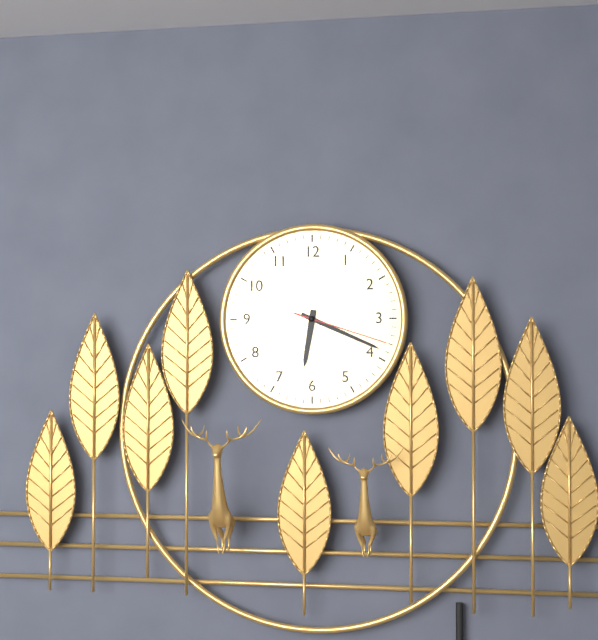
6:19:18
